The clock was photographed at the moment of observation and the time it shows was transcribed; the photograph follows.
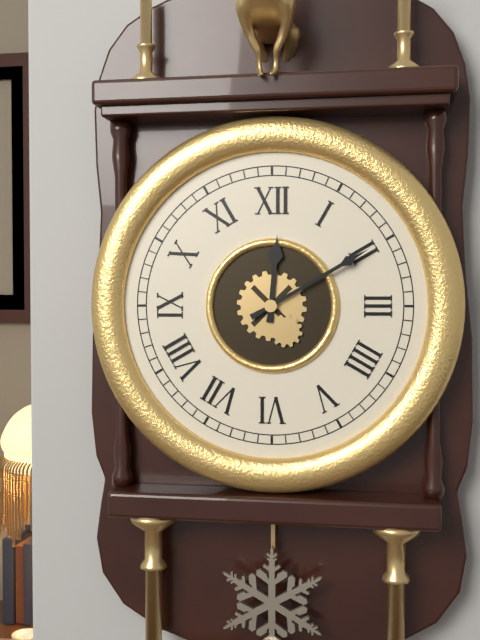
12:10
